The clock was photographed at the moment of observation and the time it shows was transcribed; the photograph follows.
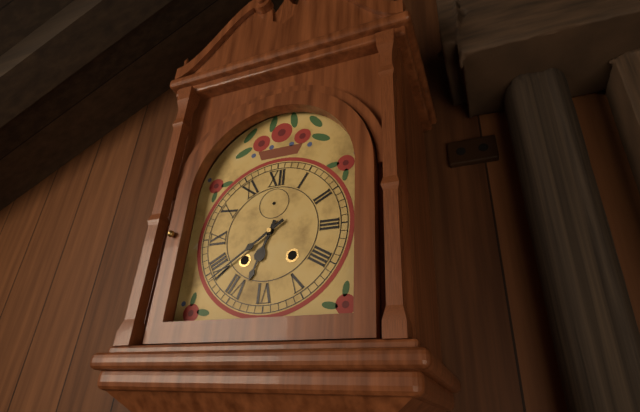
6:39
